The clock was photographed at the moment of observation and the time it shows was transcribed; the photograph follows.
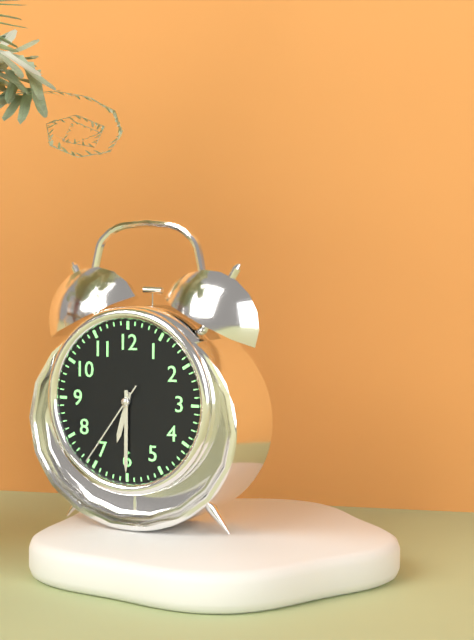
6:30:36
